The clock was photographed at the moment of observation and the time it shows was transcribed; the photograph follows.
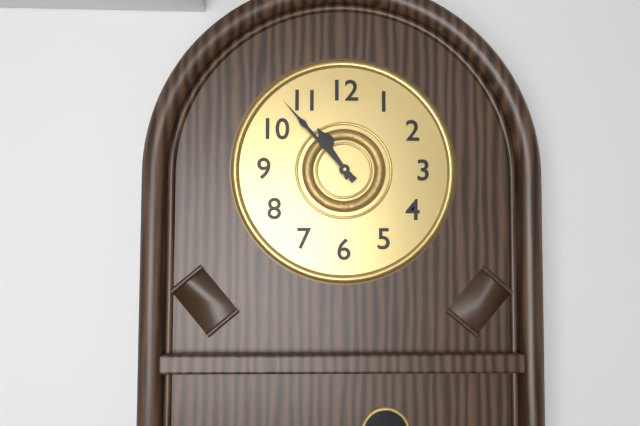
10:53
